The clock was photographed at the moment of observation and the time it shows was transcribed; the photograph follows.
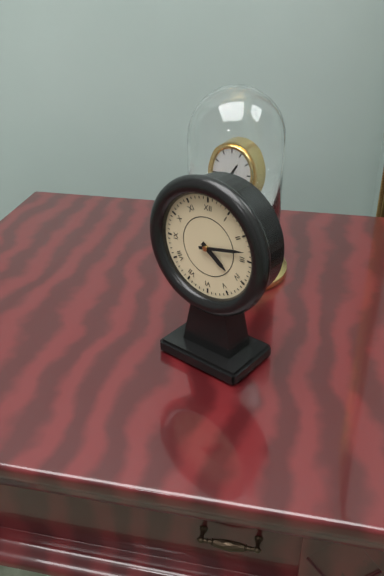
4:13
